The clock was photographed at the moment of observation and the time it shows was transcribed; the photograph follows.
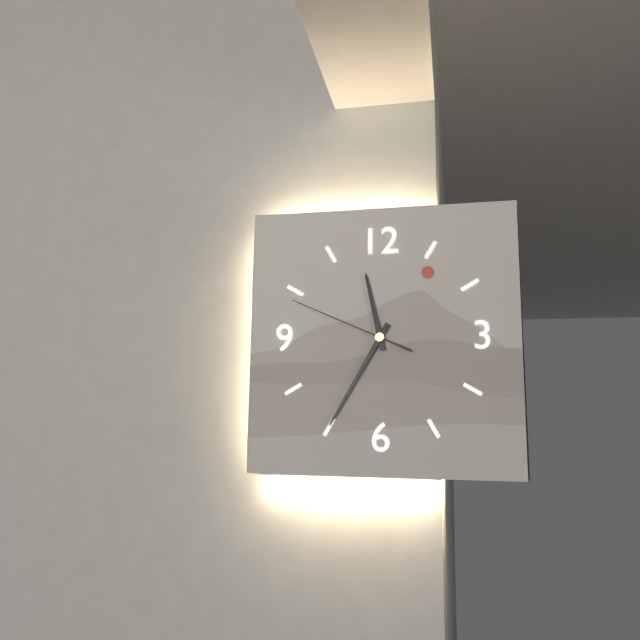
11:35:49
